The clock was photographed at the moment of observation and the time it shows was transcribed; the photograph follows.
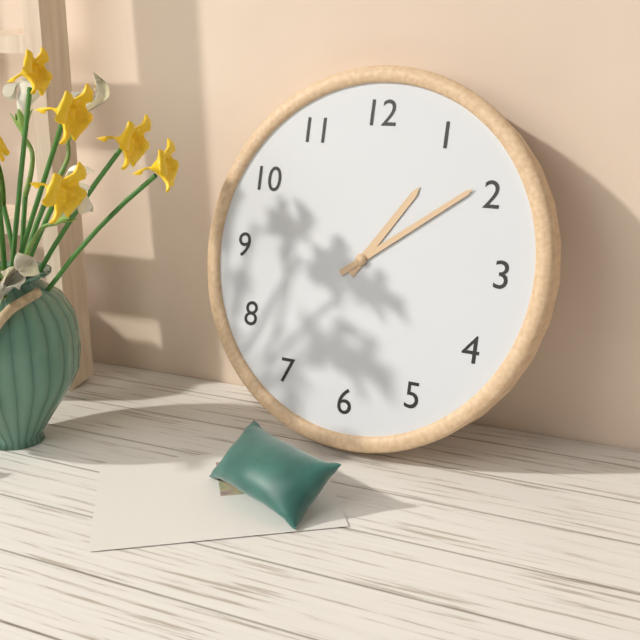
1:09
